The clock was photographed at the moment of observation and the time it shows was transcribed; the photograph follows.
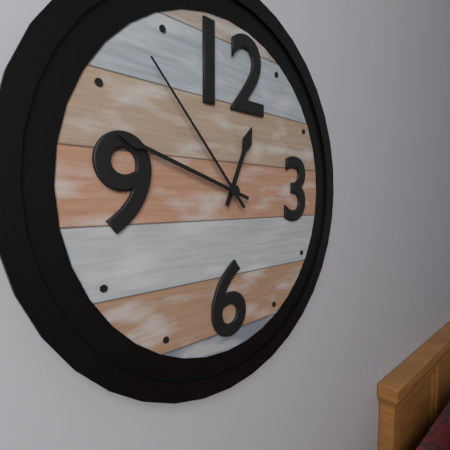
12:48:53
